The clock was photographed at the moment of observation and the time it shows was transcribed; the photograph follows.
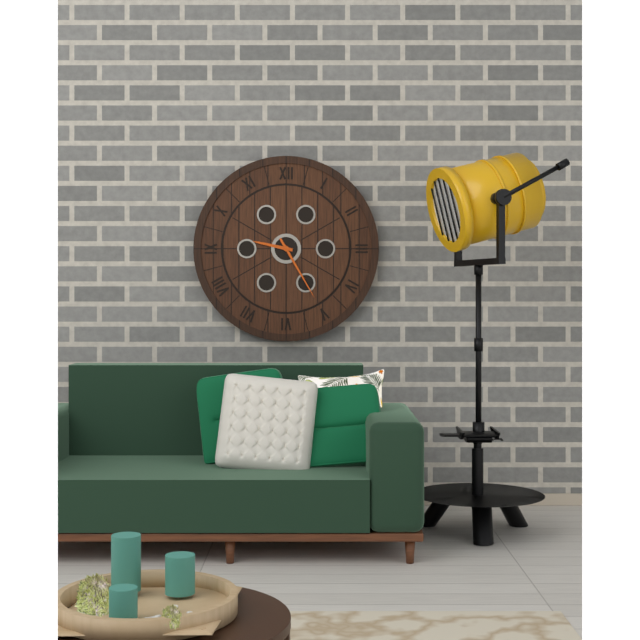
9:25
